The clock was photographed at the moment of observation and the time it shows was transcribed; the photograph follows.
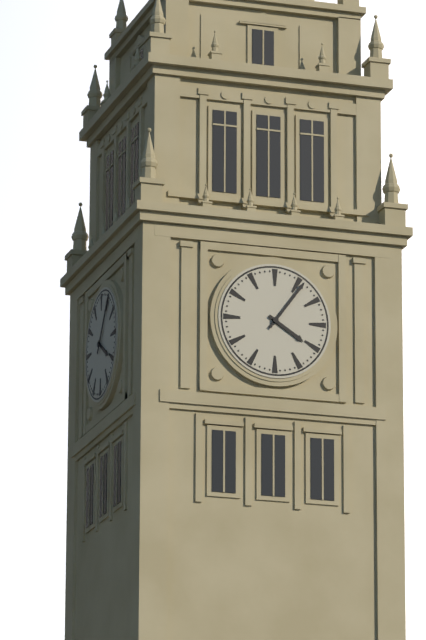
4:06
